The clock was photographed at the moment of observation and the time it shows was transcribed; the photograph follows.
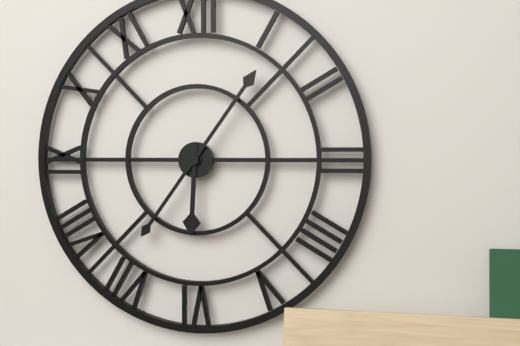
6:06
